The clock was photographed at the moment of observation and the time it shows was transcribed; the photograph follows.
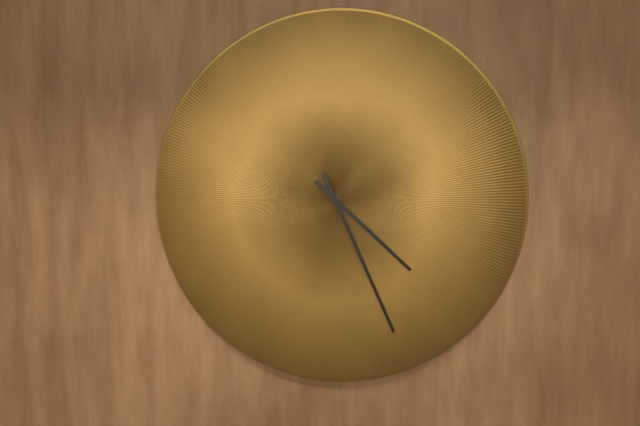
4:26
